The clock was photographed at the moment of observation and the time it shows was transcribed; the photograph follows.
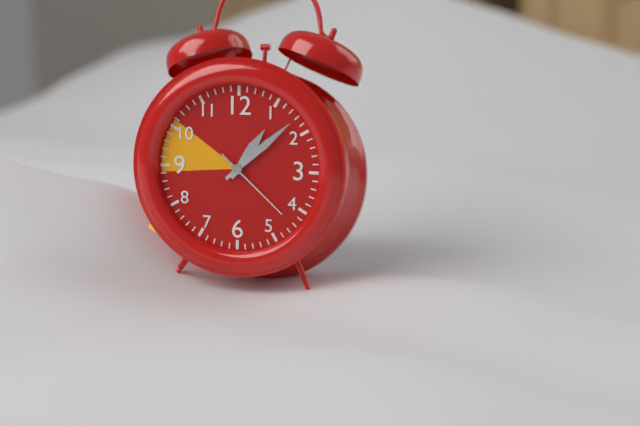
1:08:22
